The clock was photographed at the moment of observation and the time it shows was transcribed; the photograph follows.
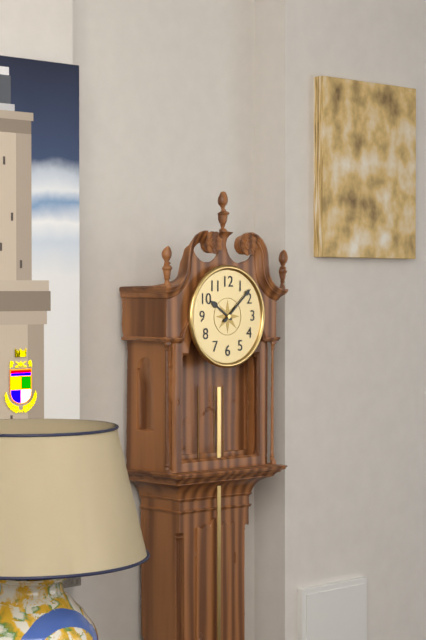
10:08
